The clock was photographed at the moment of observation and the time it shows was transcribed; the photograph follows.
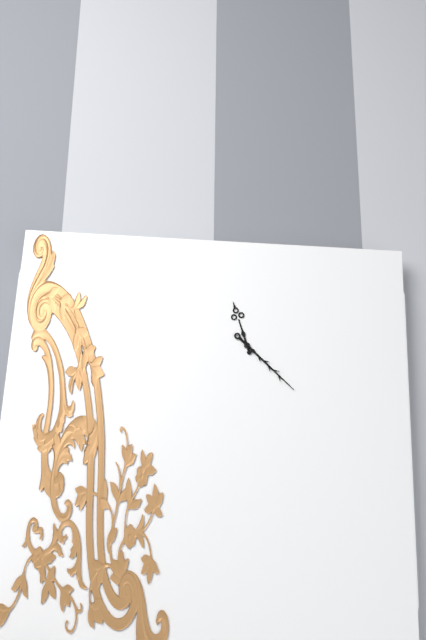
11:22
